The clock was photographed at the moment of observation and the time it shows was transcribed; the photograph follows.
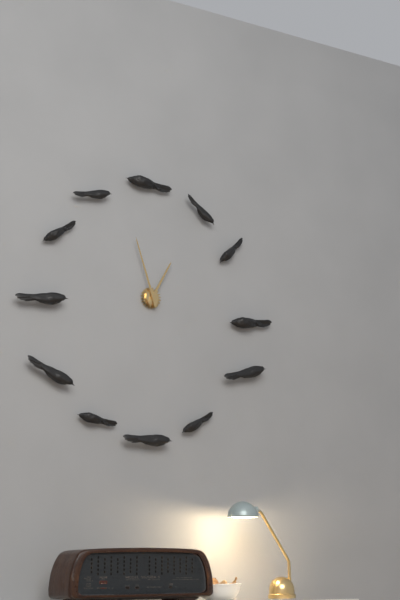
12:57
